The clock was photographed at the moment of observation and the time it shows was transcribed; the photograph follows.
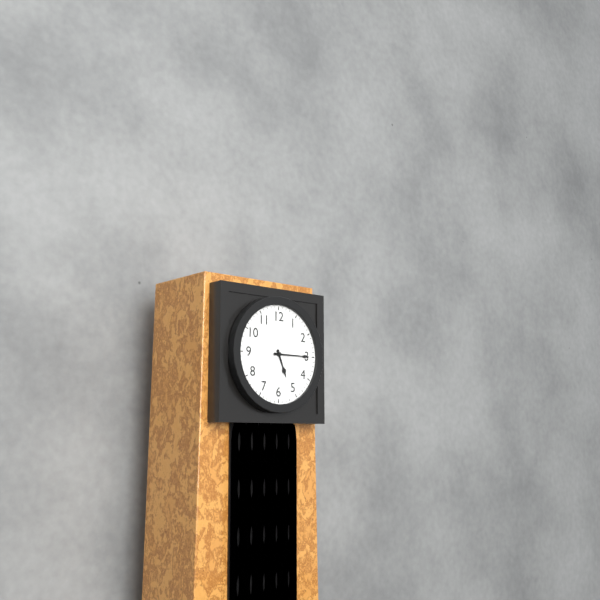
5:15
